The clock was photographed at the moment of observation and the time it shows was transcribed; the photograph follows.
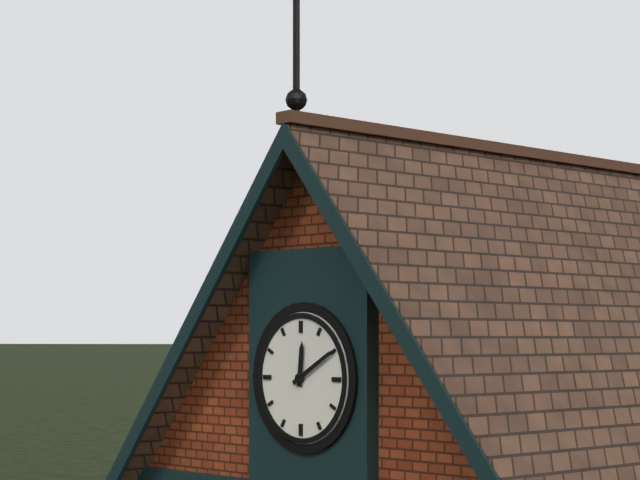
12:10
